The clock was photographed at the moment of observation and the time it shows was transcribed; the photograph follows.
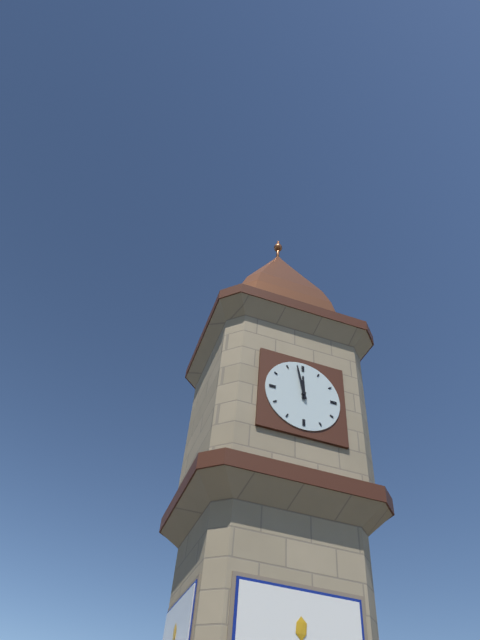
11:58
